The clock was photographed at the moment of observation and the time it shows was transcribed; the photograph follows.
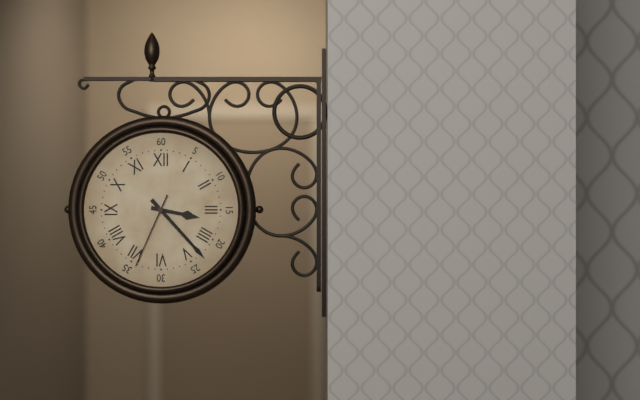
3:23:34
